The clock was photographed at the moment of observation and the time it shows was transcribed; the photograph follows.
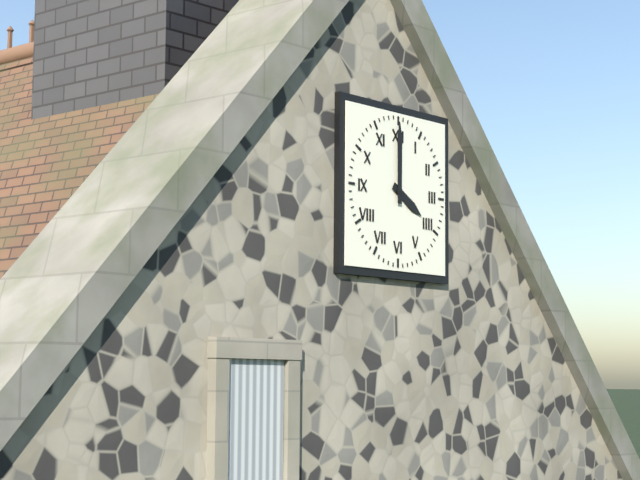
4:00
